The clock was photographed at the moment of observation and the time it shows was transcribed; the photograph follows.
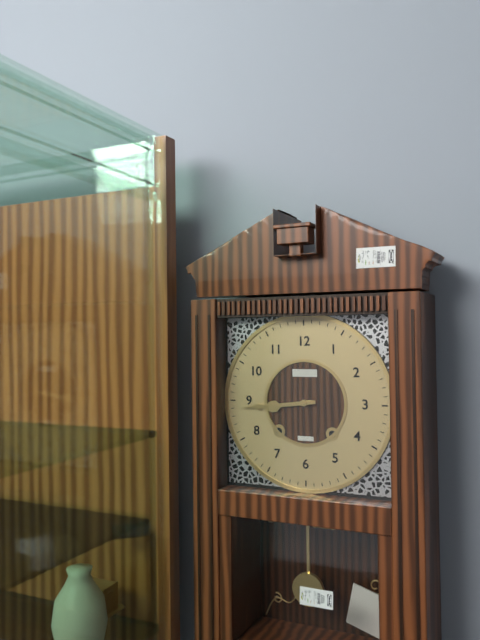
8:44
